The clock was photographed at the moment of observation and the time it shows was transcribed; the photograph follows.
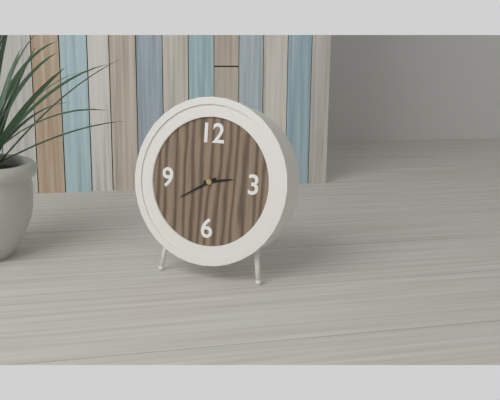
2:40
